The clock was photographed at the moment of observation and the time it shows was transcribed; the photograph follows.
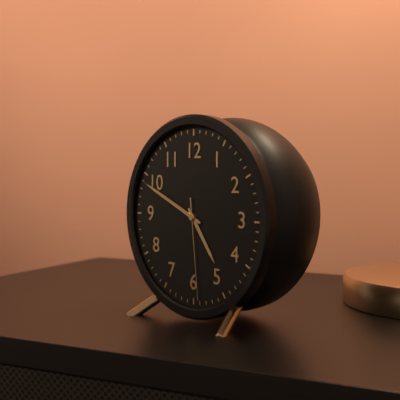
4:49:29
